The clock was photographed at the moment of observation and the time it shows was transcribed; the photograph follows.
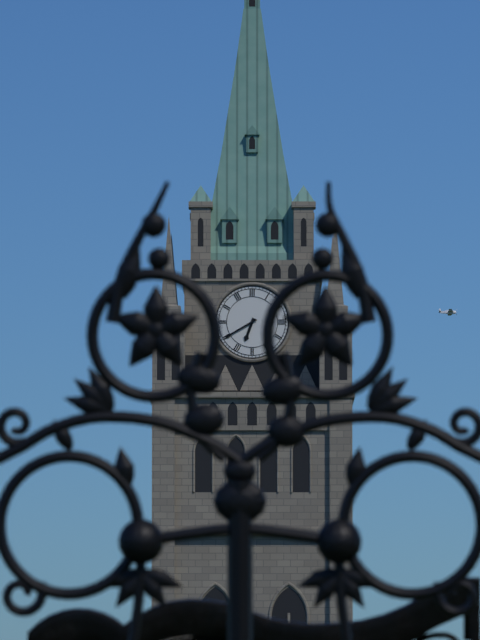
6:40
